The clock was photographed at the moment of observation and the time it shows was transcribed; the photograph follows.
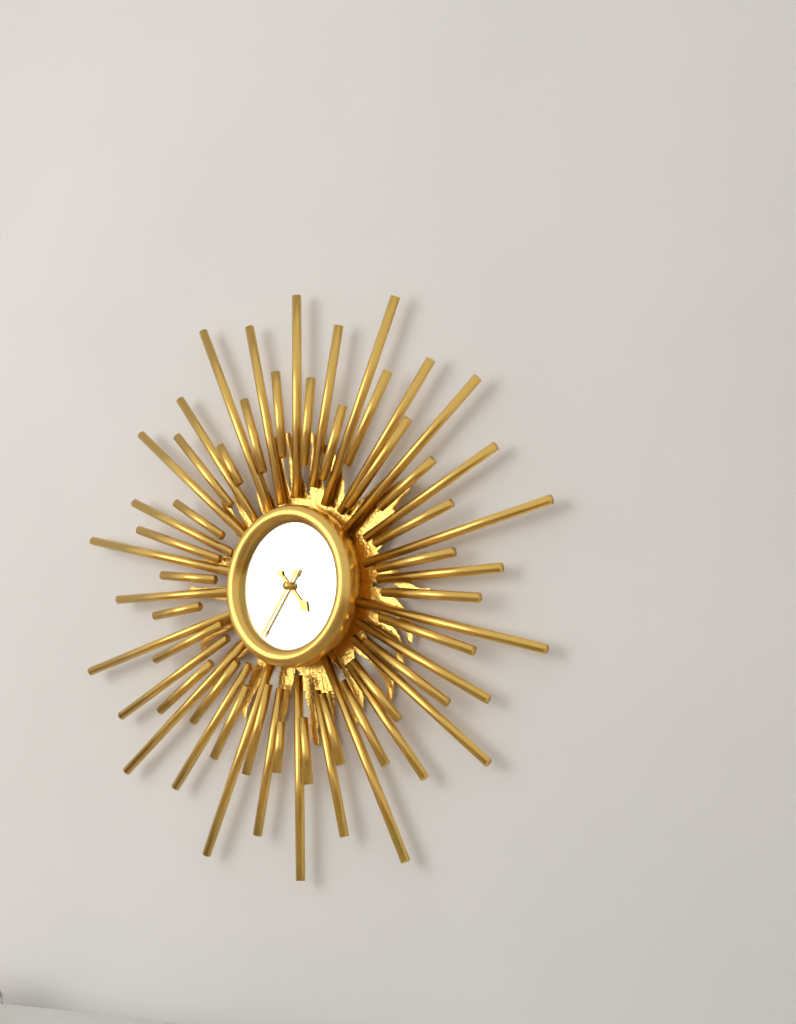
4:36
